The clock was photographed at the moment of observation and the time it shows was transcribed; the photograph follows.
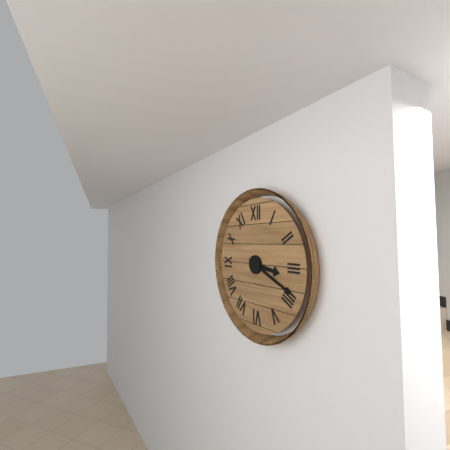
3:19
